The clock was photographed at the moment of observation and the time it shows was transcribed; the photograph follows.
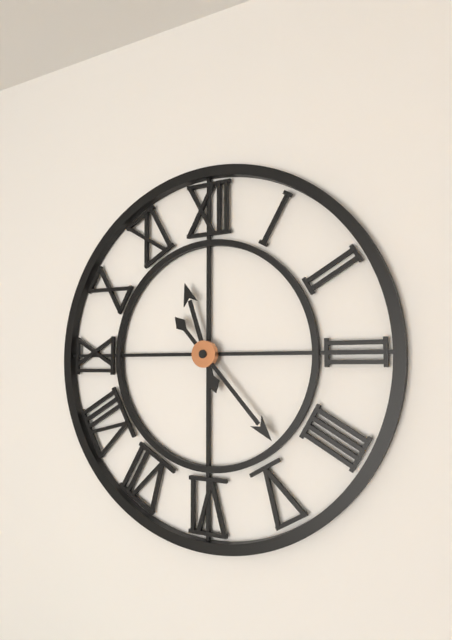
11:23
